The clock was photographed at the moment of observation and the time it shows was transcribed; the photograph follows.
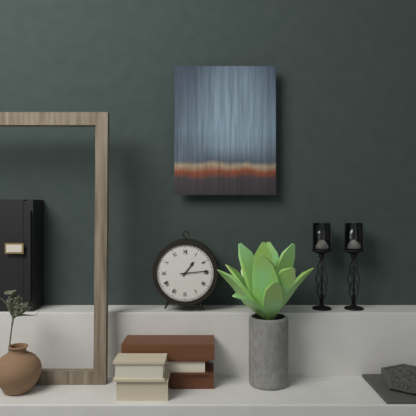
1:14
